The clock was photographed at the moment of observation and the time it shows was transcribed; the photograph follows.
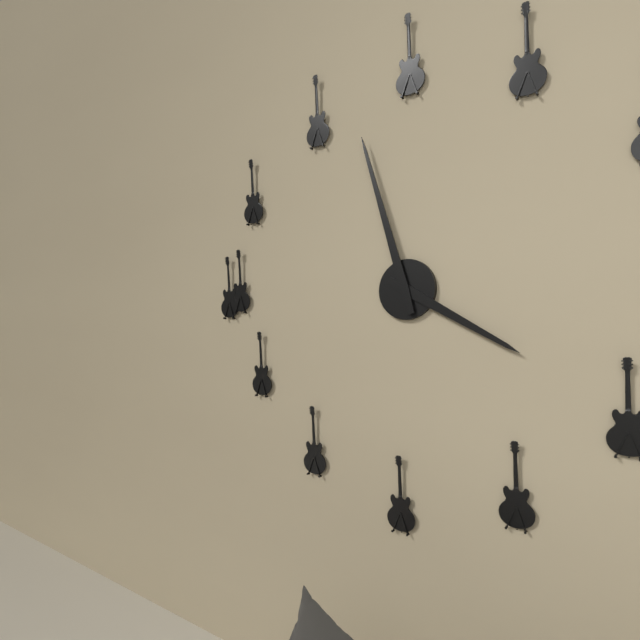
3:57
